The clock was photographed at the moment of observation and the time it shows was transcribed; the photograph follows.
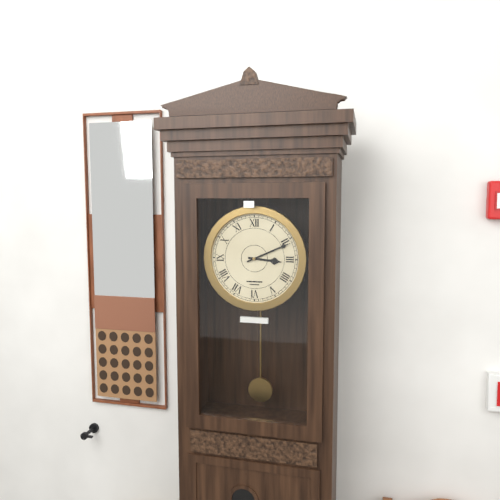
3:11
